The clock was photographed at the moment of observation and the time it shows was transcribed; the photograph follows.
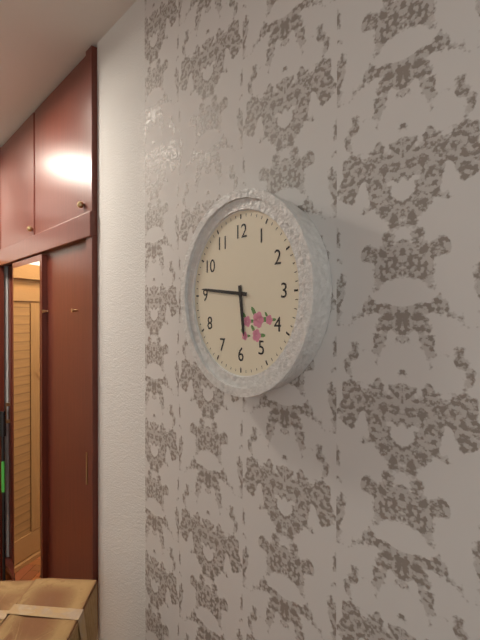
5:46
